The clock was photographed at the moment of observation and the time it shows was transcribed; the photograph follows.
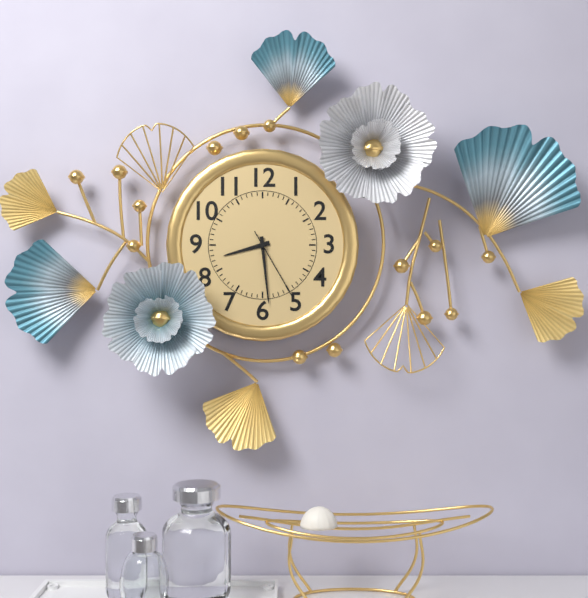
8:29:25
